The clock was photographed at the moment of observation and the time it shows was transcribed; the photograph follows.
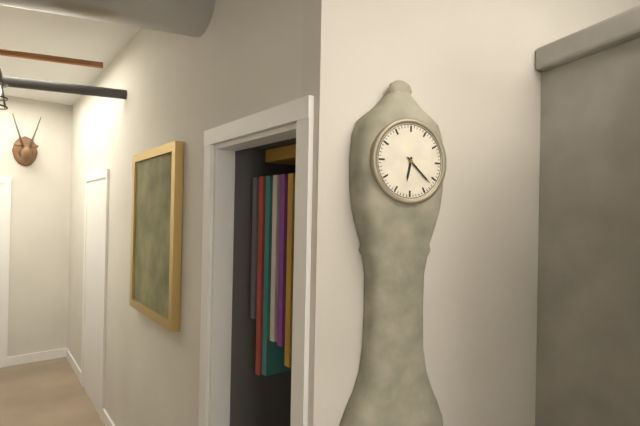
6:22
